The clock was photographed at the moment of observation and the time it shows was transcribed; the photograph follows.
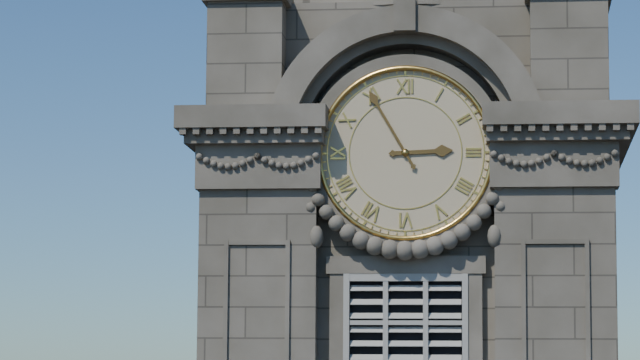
2:55
